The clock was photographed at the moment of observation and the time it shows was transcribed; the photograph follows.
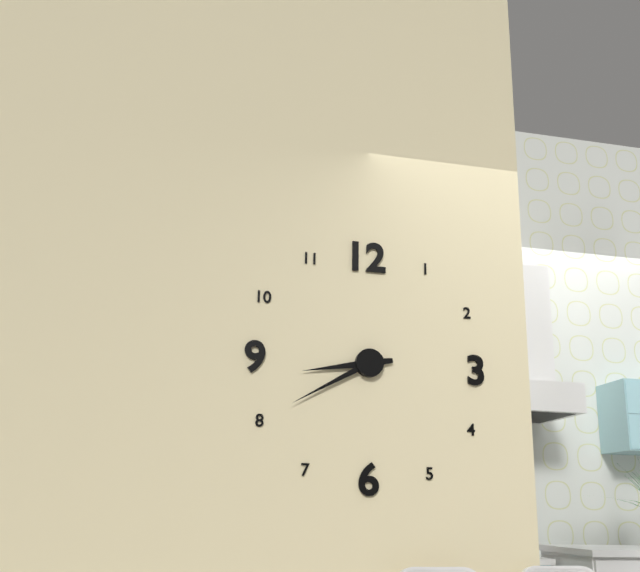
8:40
